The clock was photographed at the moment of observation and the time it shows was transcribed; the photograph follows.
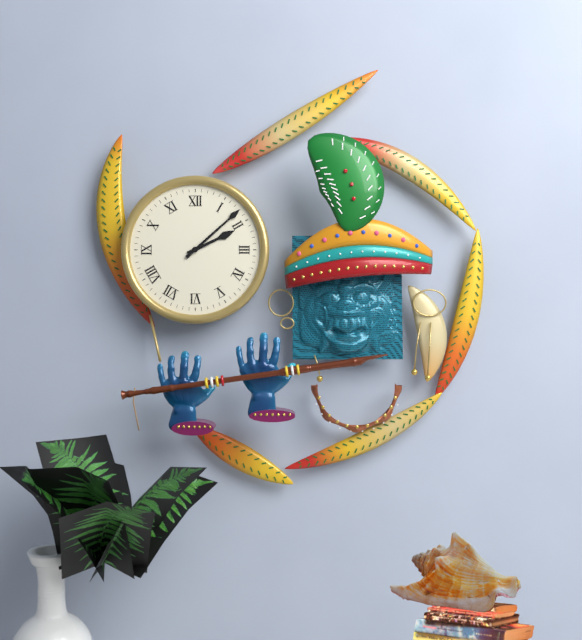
2:08
